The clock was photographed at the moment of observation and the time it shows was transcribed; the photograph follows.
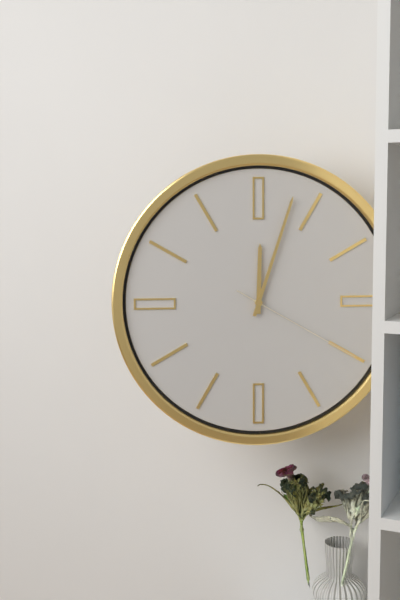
12:03:20
